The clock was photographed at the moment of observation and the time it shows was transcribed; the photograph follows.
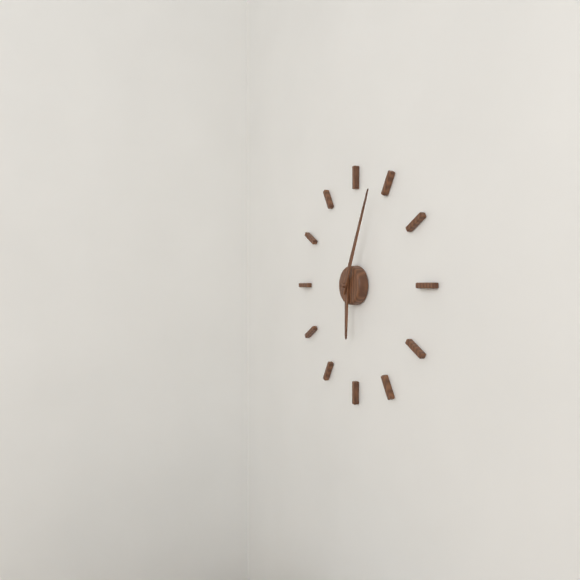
6:04
